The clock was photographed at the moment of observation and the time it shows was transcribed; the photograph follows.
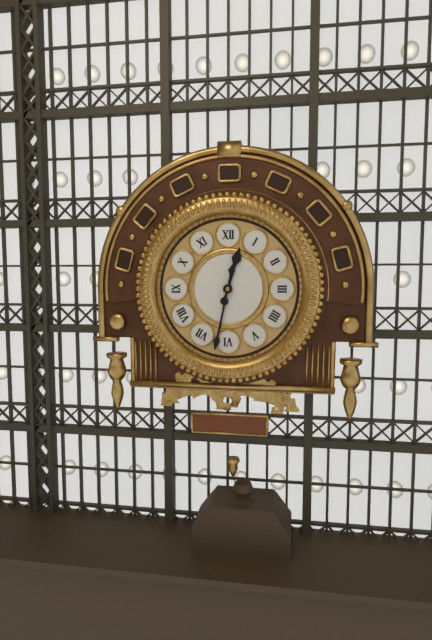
12:32
